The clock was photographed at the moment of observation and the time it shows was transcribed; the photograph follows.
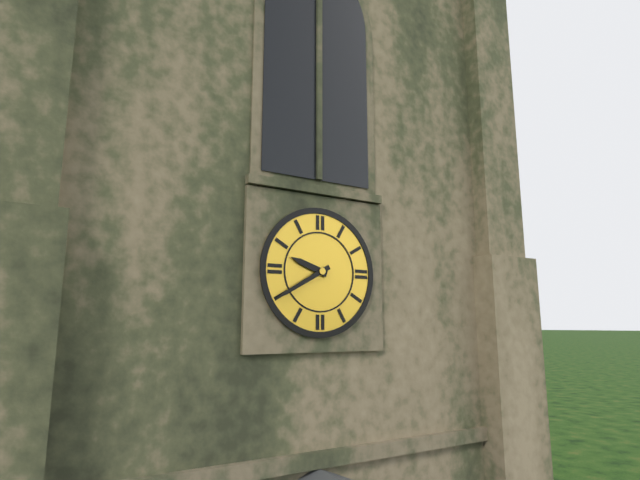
9:40
